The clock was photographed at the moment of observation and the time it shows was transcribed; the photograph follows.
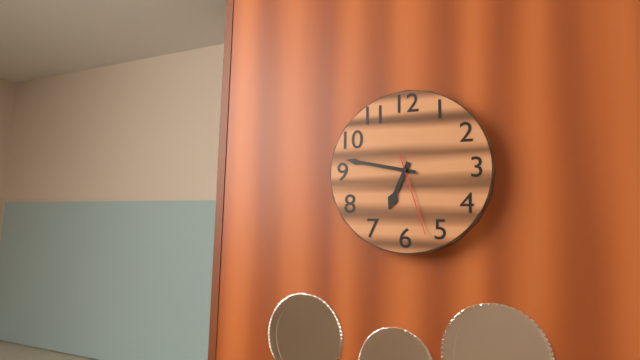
6:47:27
